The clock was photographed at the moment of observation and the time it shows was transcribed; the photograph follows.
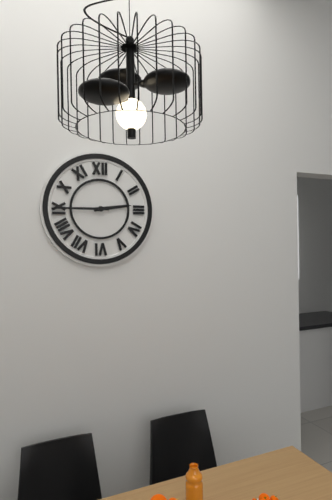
2:45
